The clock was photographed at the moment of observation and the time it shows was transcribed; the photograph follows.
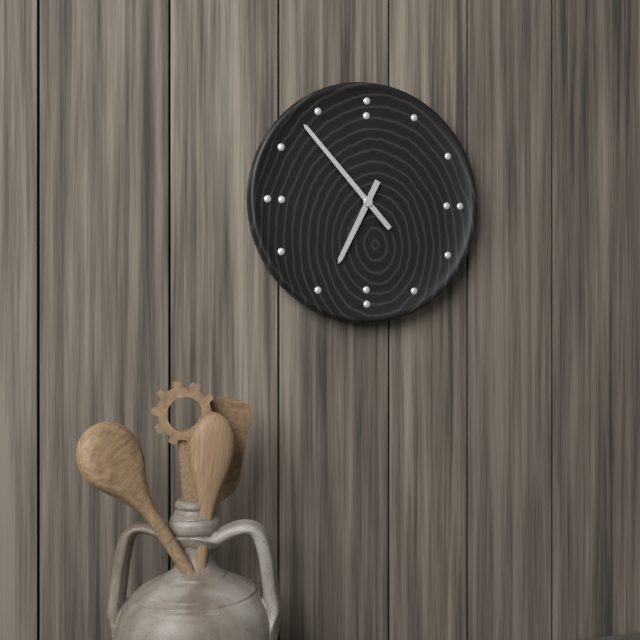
6:53
